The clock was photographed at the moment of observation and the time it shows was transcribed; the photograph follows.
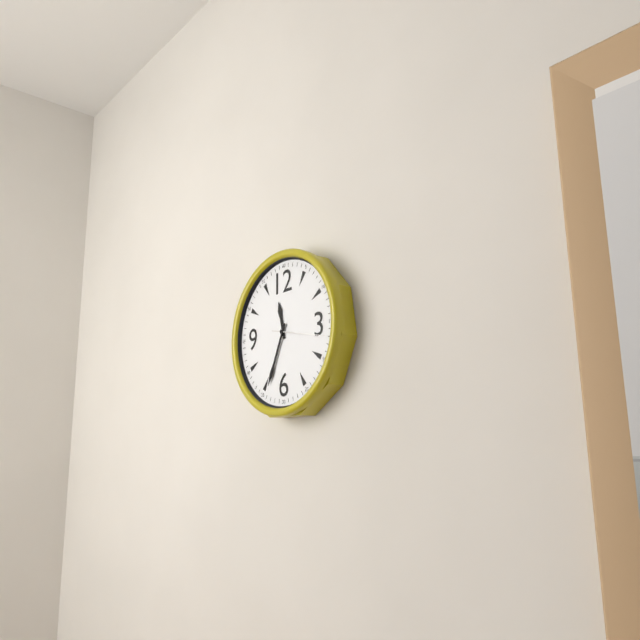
11:34:17
